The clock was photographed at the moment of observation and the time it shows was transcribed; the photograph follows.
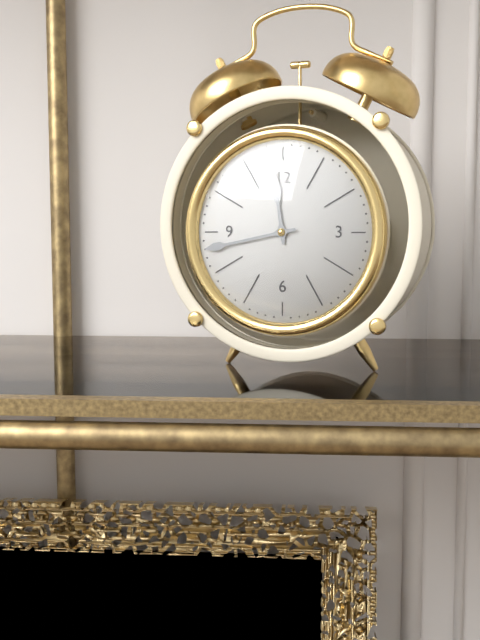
11:43
